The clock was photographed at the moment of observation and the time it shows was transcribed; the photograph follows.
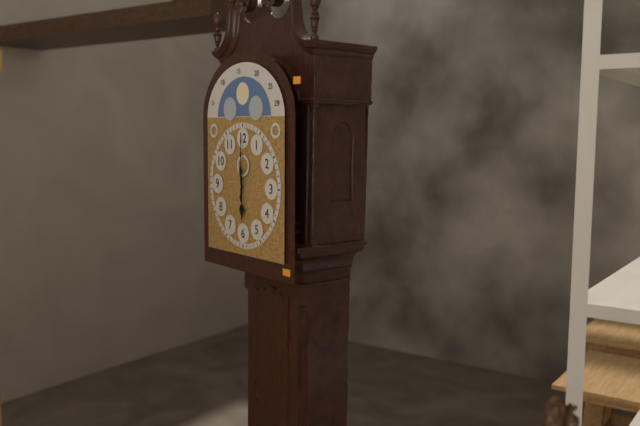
6:00
